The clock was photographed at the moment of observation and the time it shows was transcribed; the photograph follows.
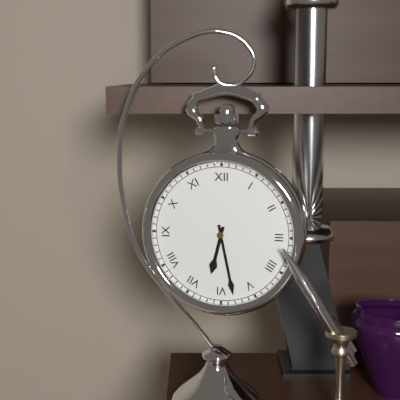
6:28
